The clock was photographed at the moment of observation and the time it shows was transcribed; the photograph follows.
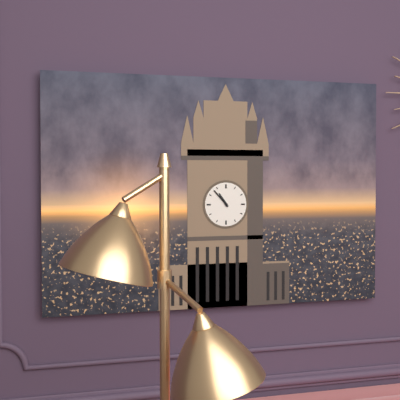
10:53
